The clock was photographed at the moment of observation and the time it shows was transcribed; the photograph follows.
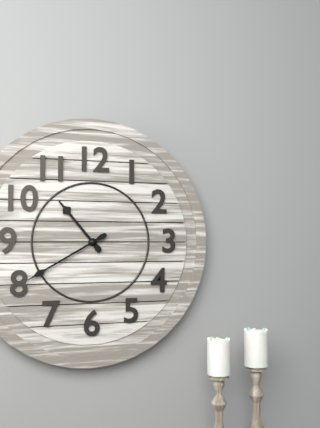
10:40
